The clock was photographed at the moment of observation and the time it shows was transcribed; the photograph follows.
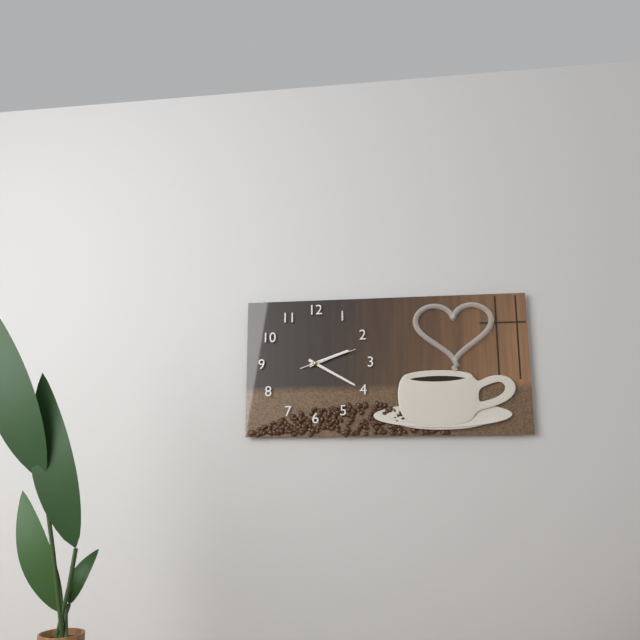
2:20:12
